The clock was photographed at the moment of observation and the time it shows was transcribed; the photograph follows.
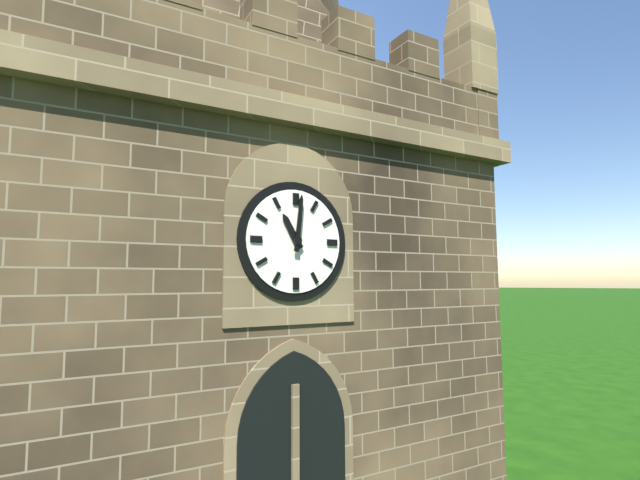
11:01
